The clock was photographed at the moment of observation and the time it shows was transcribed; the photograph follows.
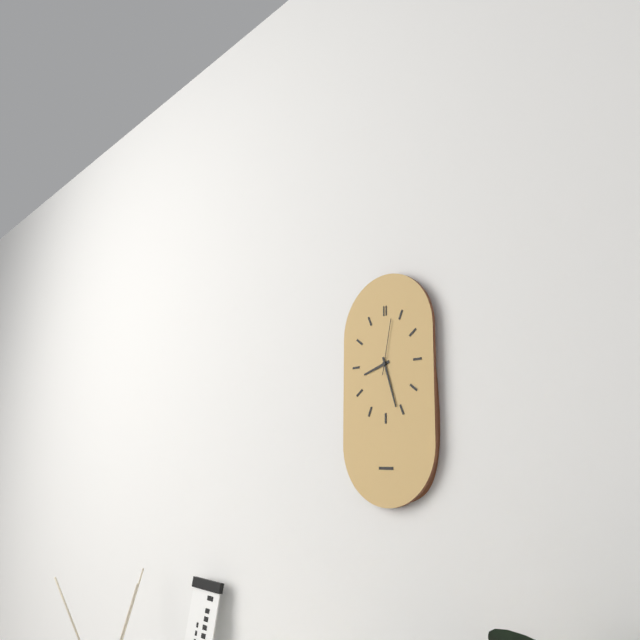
8:27:02
